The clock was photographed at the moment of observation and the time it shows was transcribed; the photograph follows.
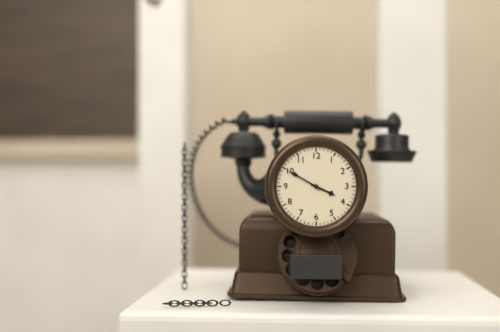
3:50
